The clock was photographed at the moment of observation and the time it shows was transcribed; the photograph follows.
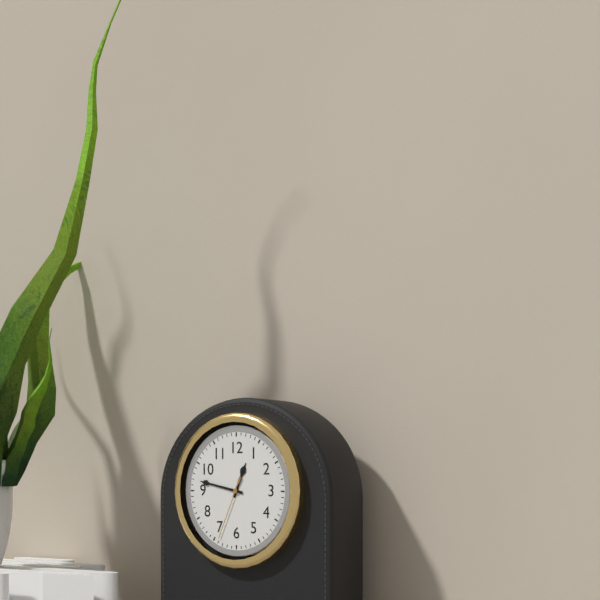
12:47:34
